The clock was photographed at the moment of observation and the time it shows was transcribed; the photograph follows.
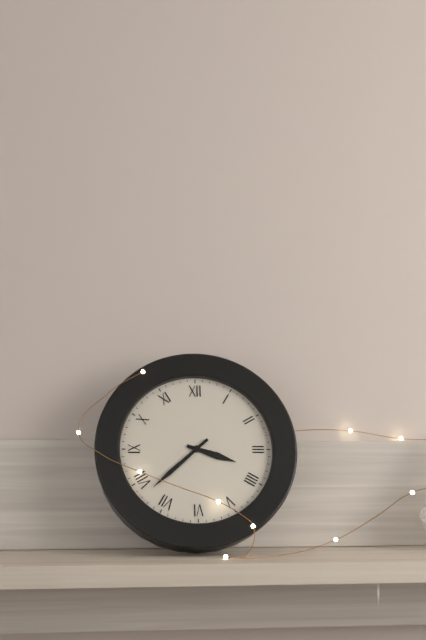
3:38
